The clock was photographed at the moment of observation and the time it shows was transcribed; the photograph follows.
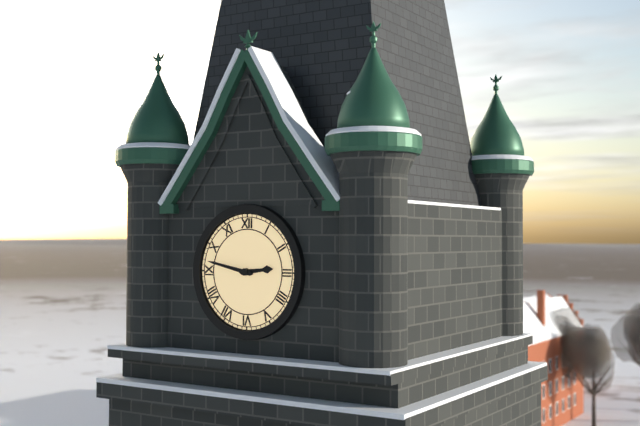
2:47
